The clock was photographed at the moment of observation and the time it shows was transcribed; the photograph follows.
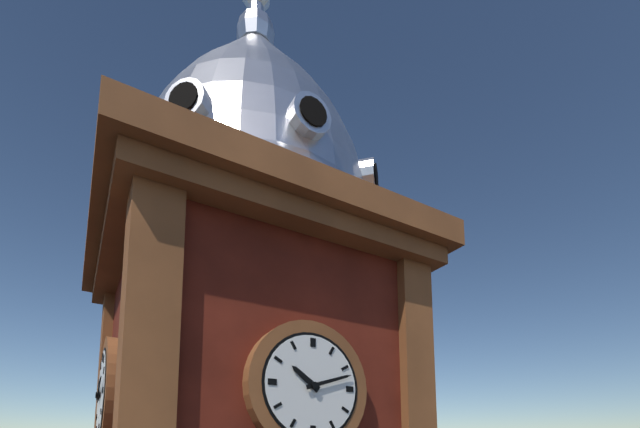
10:12
